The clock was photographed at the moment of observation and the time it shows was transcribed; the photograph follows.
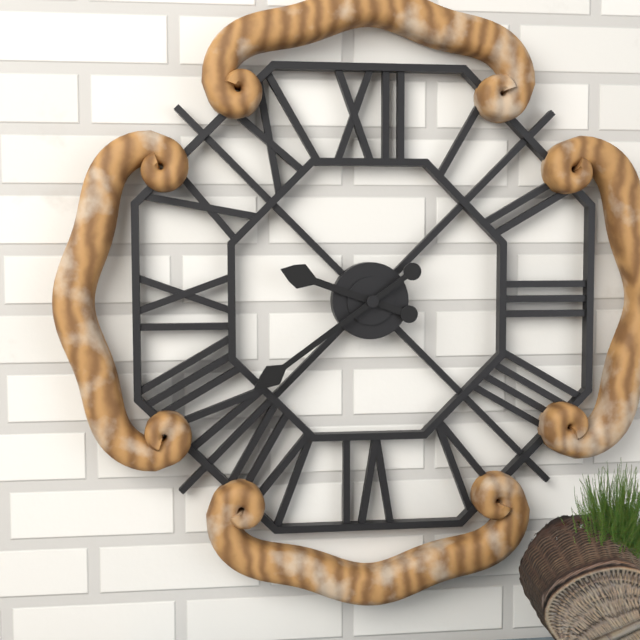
9:39
